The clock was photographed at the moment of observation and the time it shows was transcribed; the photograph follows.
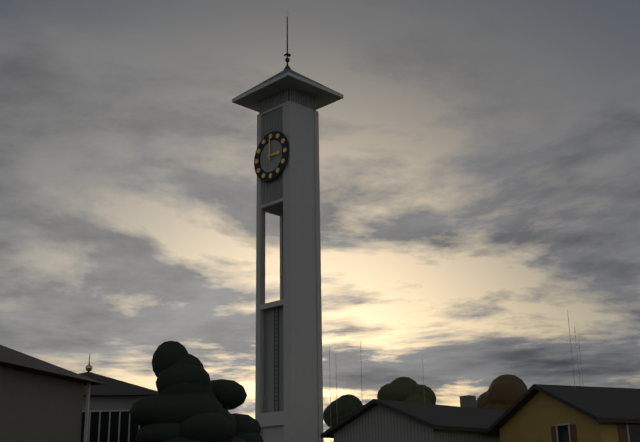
3:00
